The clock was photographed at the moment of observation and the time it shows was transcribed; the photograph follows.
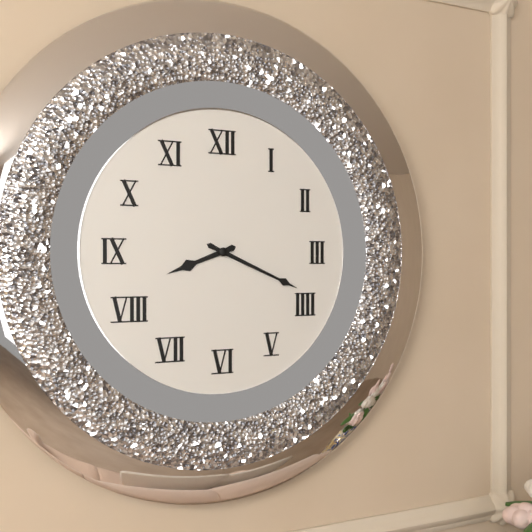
8:19
